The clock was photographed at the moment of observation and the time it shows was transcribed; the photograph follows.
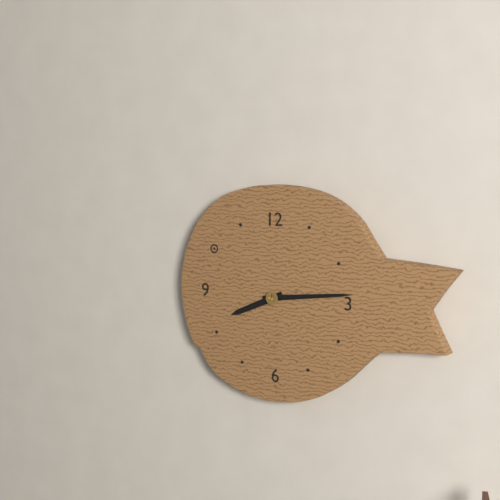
8:14
